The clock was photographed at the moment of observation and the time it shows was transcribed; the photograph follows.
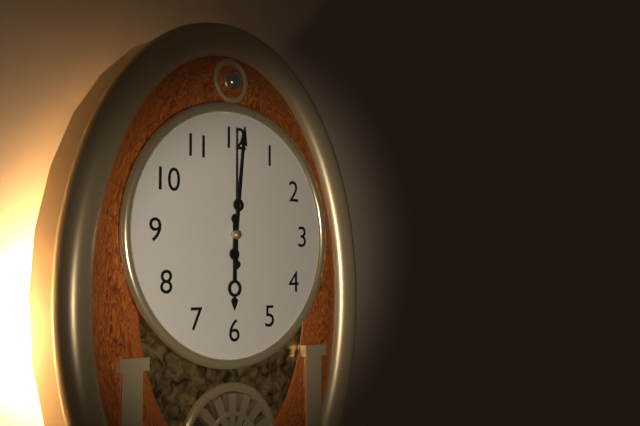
6:01:00
